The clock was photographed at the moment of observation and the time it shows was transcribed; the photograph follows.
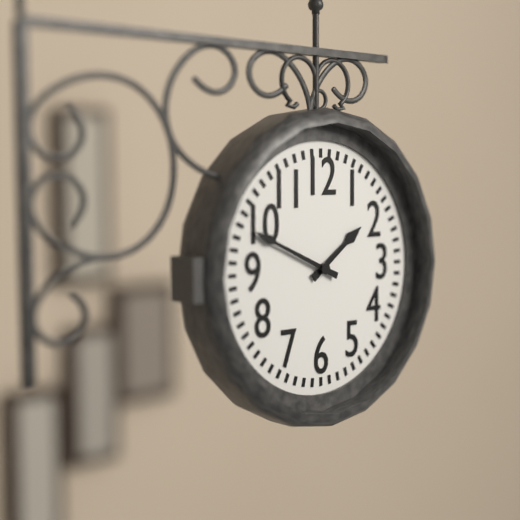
1:49
